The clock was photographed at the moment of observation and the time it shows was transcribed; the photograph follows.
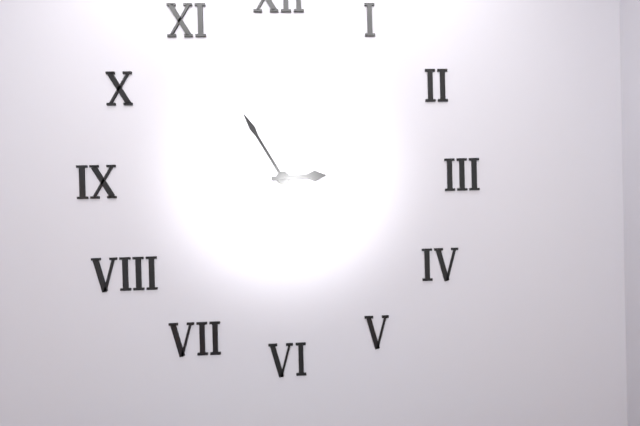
2:55
